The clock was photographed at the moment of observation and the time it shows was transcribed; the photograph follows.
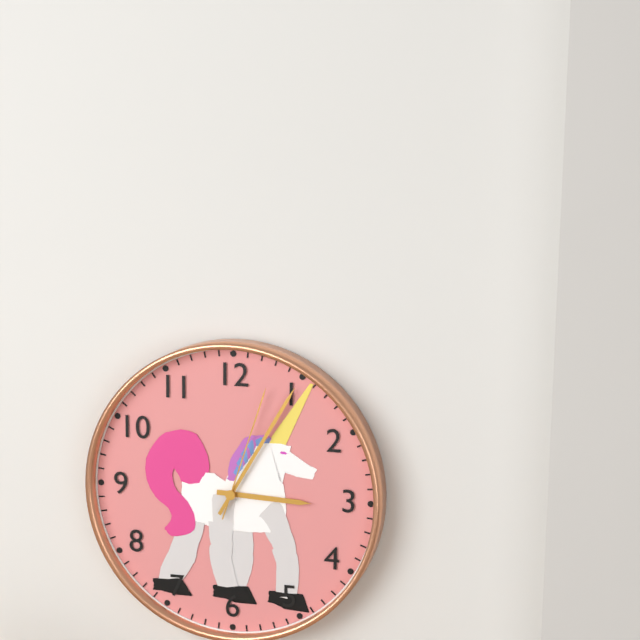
3:05:03
